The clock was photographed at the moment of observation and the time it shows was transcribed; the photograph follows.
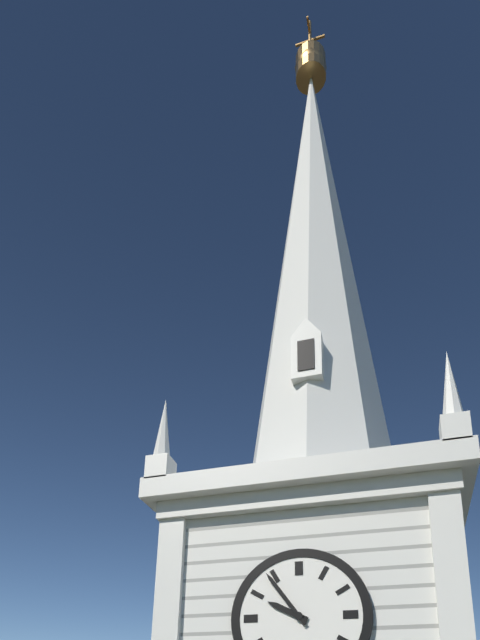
9:54
